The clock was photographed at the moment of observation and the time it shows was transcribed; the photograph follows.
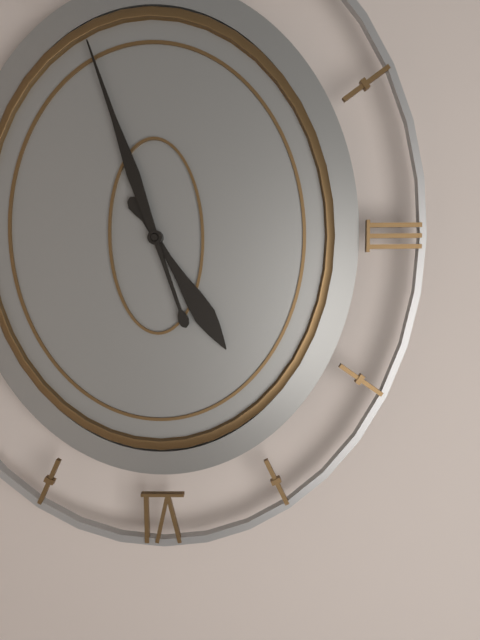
4:57
